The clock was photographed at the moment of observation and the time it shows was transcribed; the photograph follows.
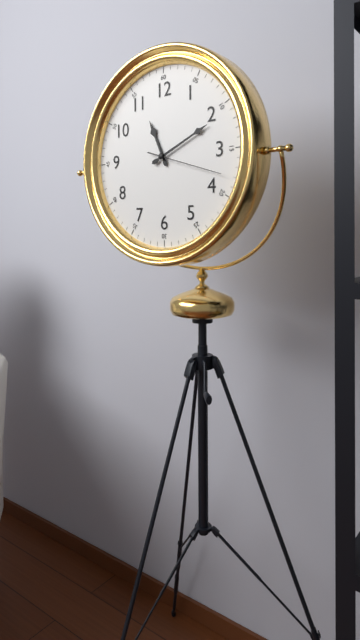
11:11:18
